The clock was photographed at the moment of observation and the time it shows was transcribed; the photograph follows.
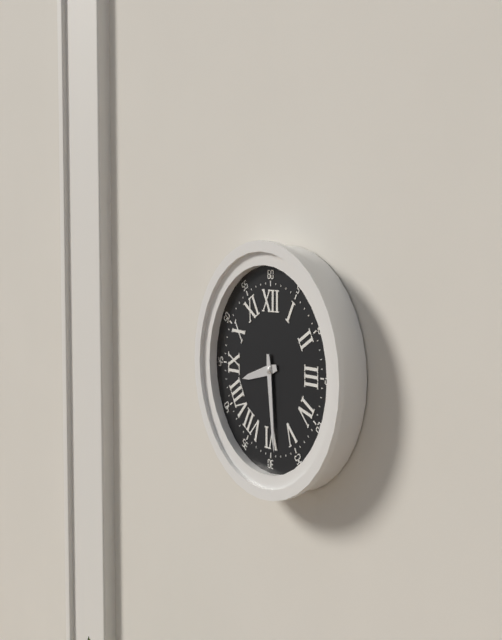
8:29
